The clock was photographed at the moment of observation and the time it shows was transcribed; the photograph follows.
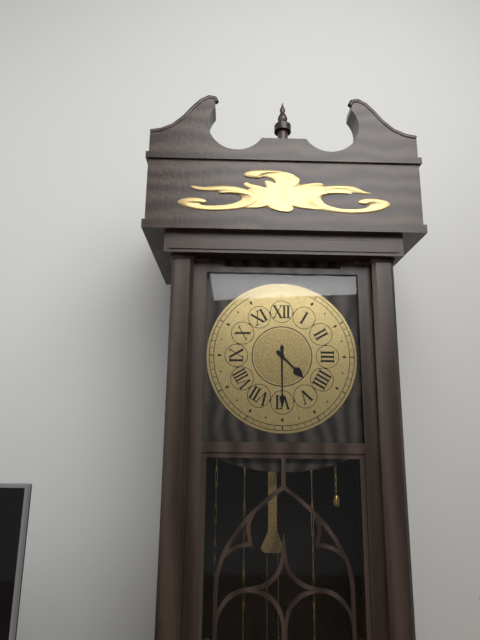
4:30
